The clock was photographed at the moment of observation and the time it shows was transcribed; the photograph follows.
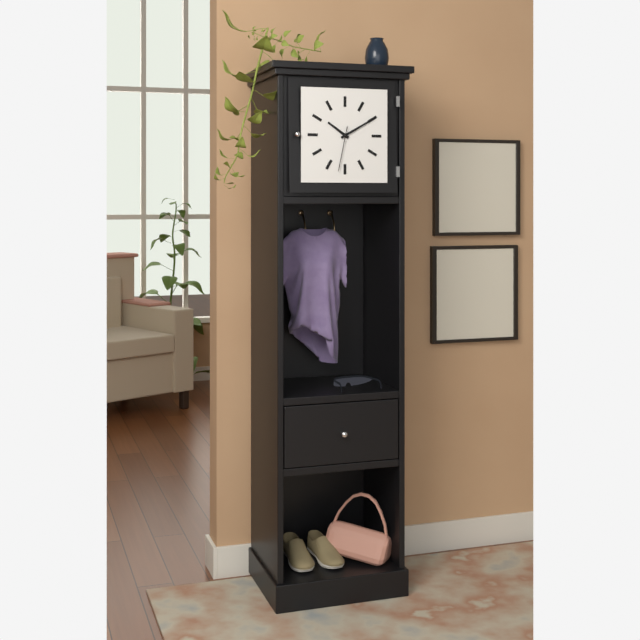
10:10
